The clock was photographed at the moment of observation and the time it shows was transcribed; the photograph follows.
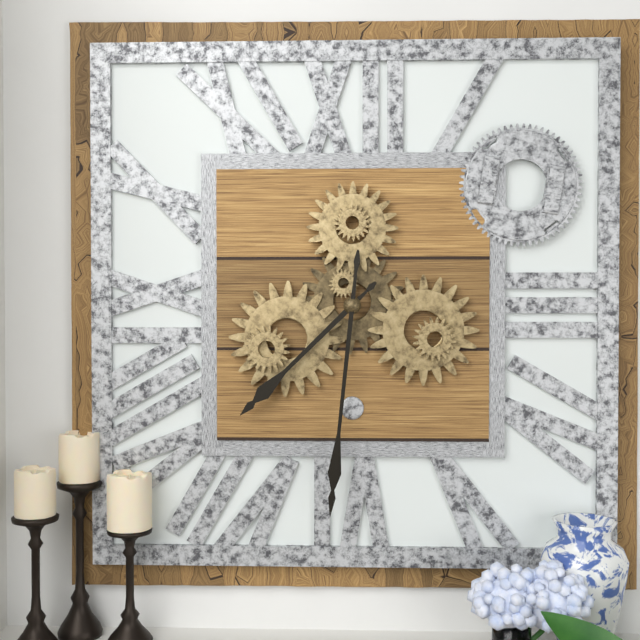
7:31
